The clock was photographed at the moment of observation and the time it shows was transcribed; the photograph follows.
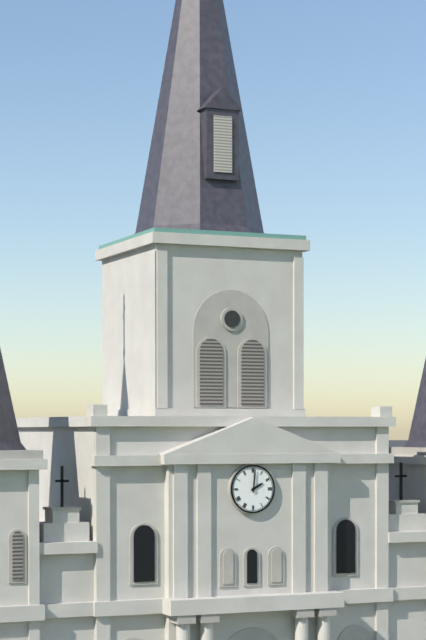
2:01
